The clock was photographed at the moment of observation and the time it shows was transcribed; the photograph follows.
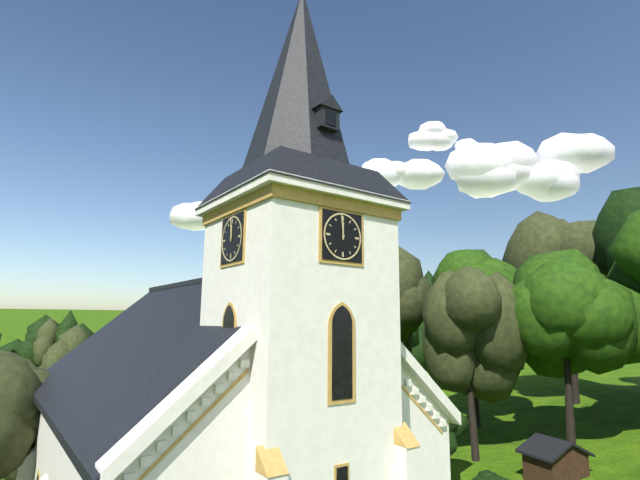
11:59
